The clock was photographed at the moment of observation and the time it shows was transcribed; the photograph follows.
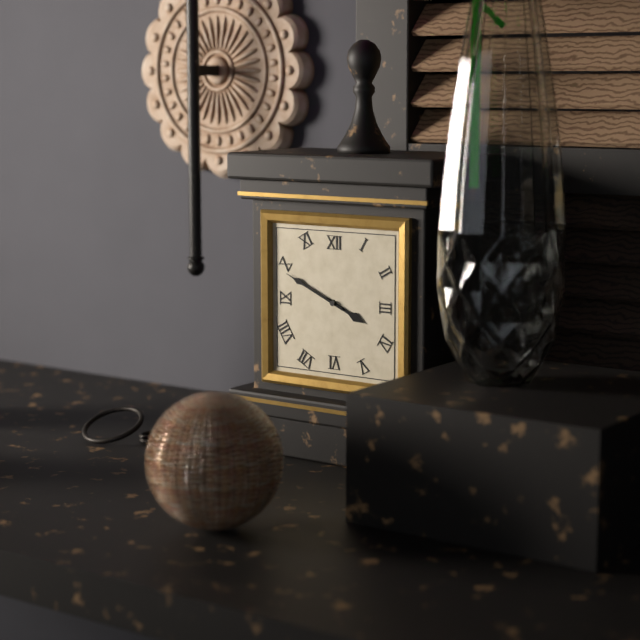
3:49
